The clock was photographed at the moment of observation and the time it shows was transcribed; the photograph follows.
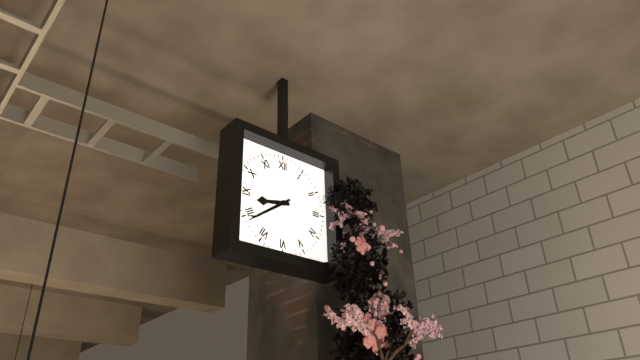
8:39
